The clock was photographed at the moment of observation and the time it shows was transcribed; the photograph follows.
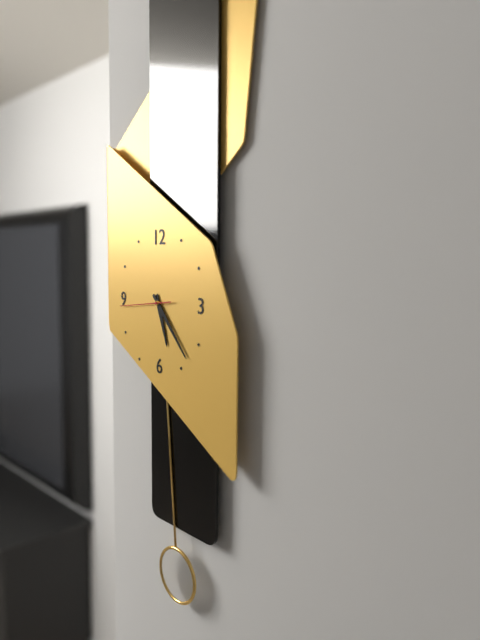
5:23
